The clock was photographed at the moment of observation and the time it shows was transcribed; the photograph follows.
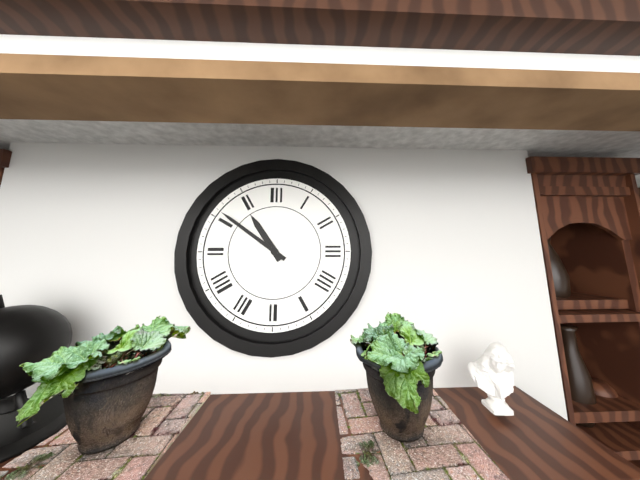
10:51
